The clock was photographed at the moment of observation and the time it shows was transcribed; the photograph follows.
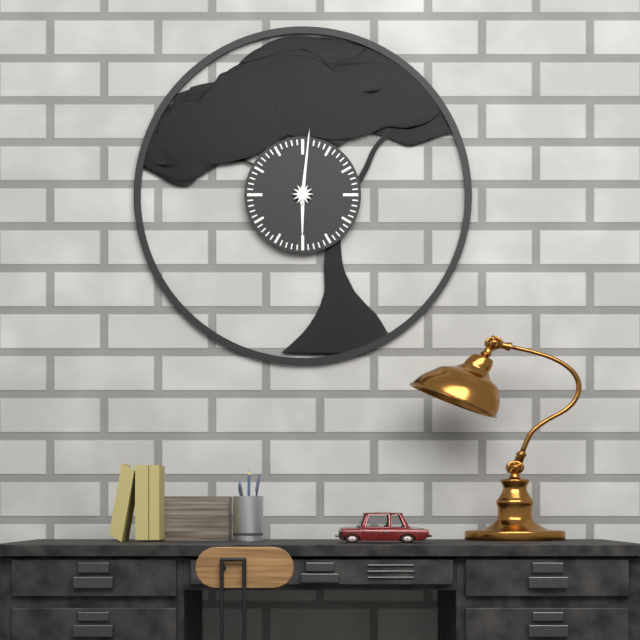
6:01
